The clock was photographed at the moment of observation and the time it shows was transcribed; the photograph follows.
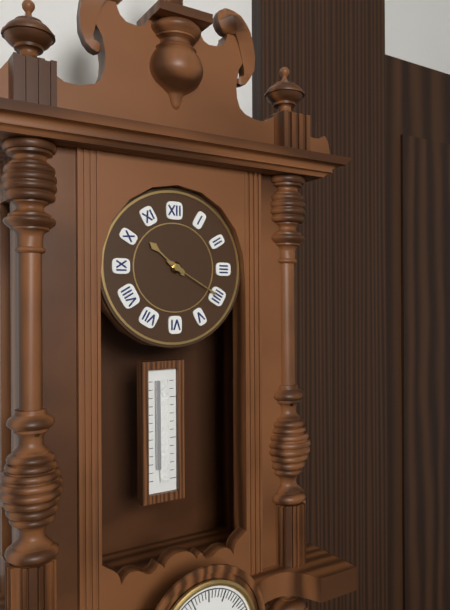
10:20
